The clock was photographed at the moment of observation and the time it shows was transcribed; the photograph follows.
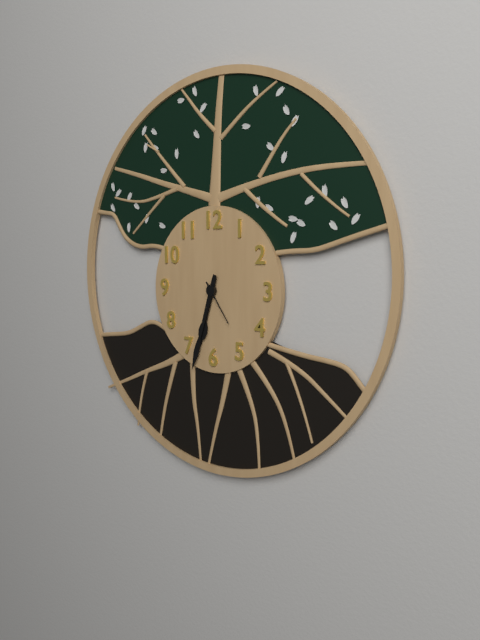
6:33
